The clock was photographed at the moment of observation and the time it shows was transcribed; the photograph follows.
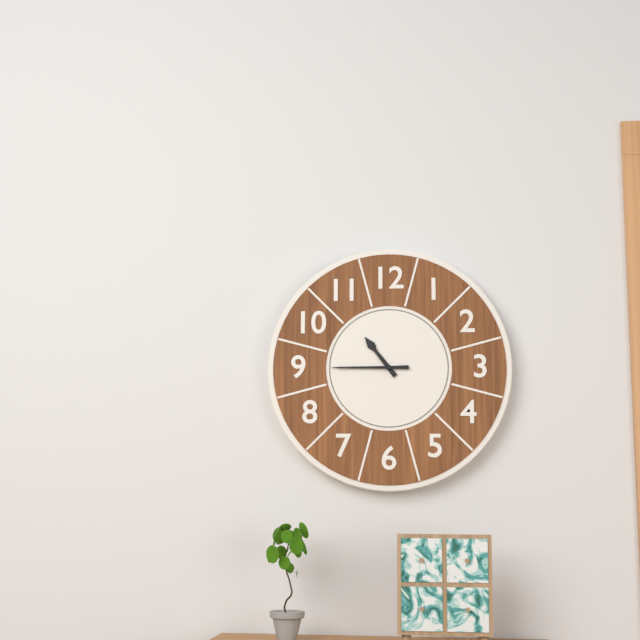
10:45
